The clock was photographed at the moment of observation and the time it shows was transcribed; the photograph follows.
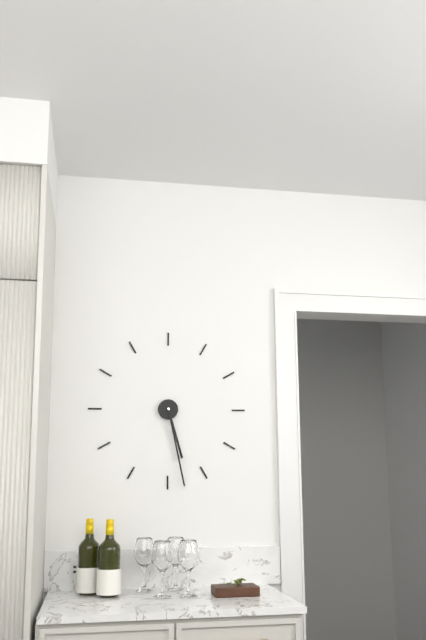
5:28
